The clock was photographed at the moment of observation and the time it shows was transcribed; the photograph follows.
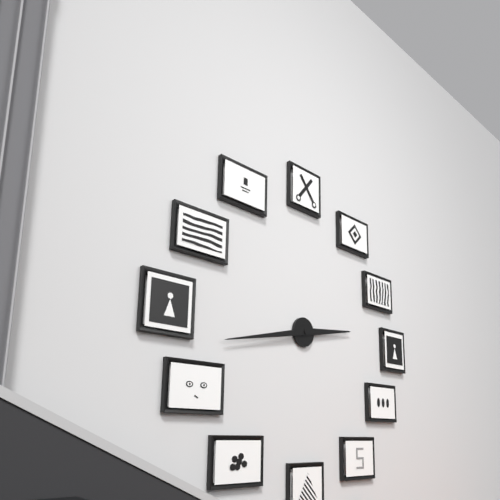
2:43
